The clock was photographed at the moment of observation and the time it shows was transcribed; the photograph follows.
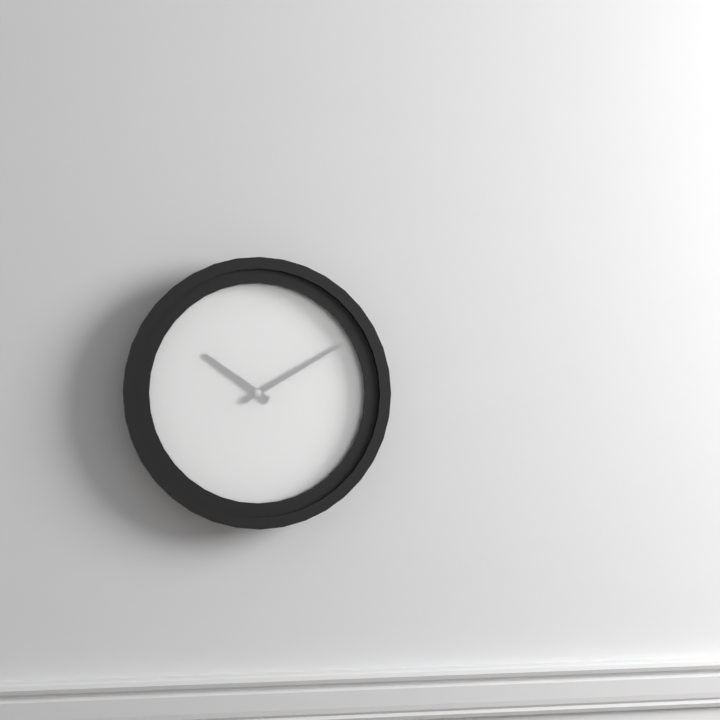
10:10
